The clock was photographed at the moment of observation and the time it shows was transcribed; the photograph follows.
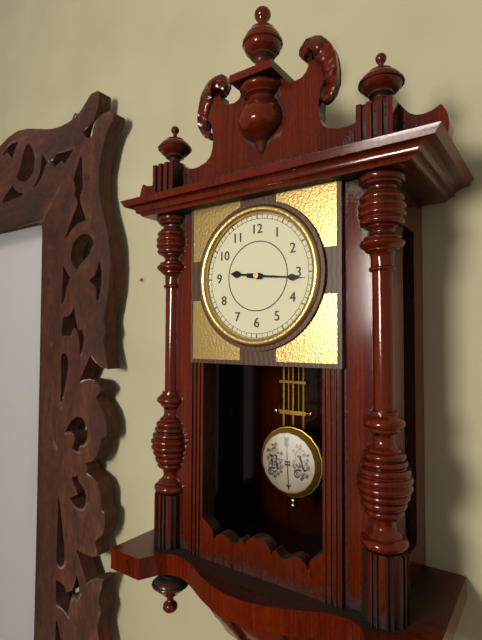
9:16
